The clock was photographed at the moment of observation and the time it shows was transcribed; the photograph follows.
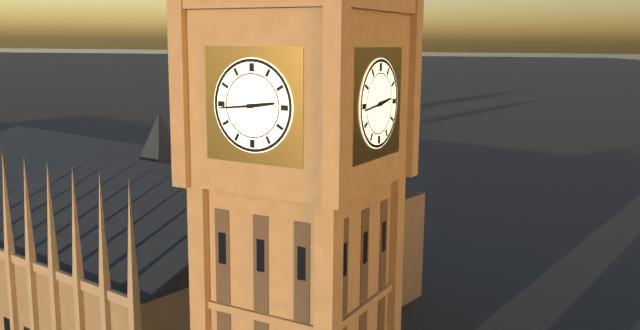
2:44
